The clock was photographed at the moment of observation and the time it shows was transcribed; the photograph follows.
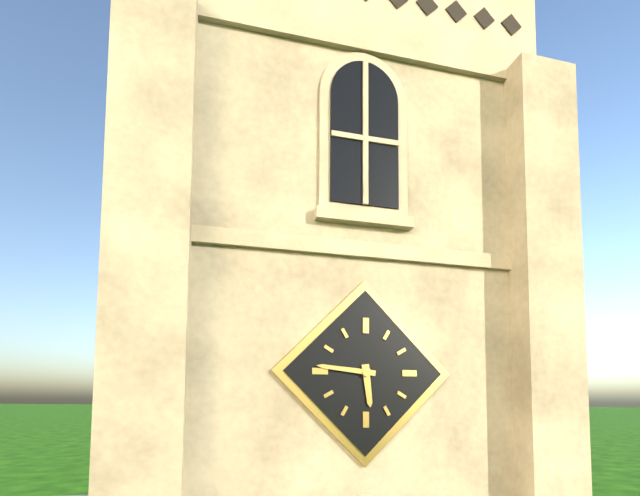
5:46
